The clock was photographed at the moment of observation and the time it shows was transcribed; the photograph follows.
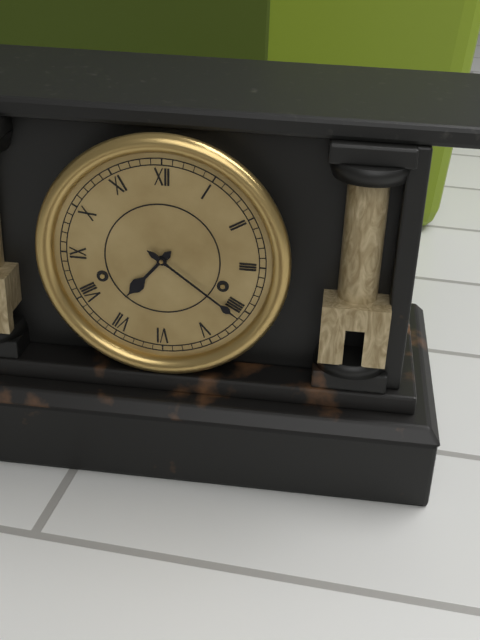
7:21
